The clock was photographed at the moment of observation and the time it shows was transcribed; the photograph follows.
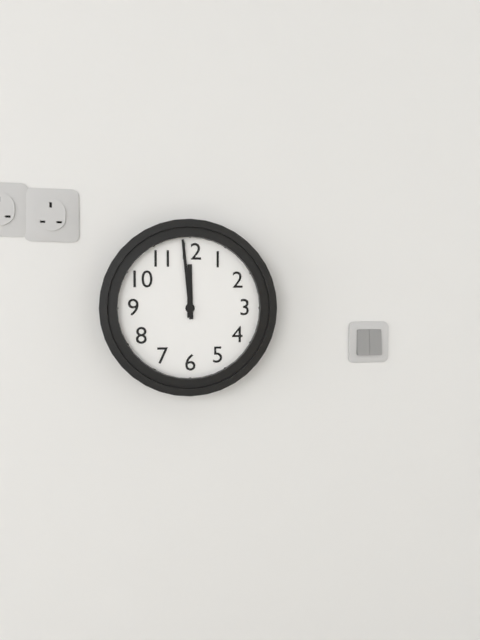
11:59
